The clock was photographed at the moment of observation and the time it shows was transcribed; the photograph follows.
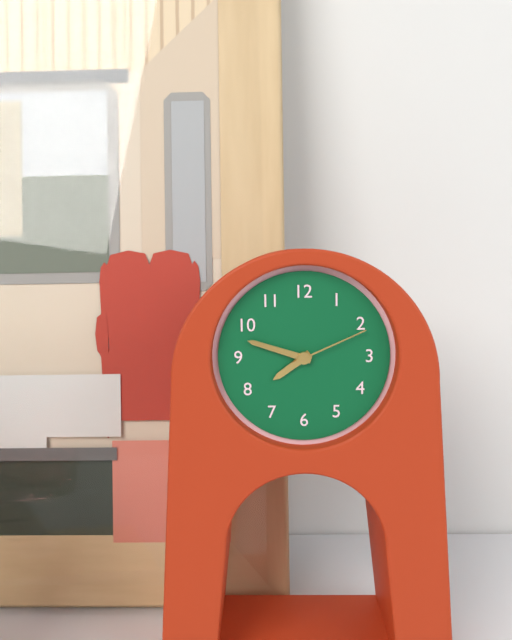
7:48:11
